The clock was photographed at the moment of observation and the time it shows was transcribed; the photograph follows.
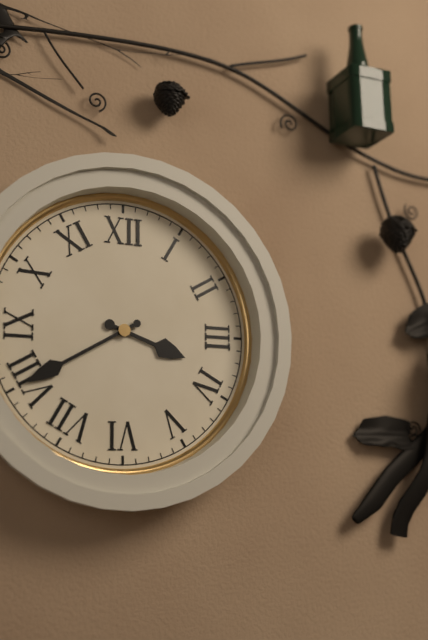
3:40
